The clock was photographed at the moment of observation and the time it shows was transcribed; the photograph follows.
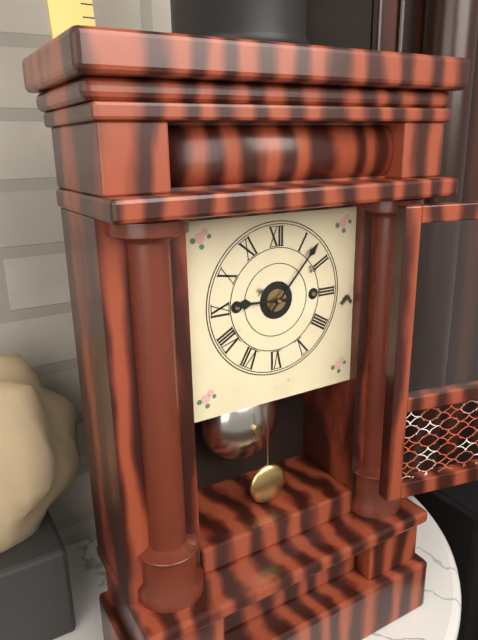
9:07
